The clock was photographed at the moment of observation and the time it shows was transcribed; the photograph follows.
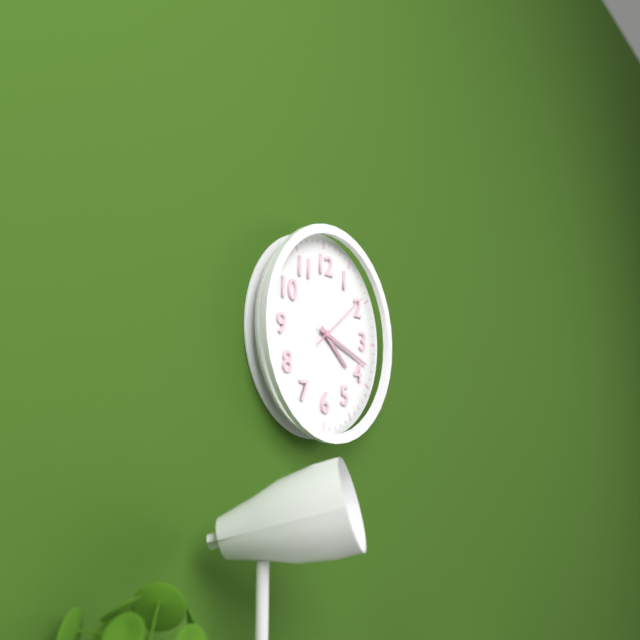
4:18:09
